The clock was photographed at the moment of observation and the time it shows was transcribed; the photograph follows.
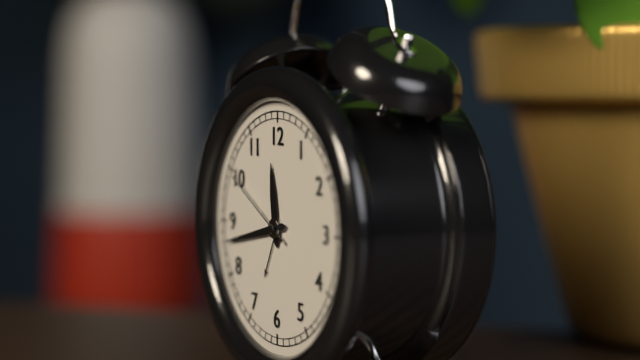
11:43:50
